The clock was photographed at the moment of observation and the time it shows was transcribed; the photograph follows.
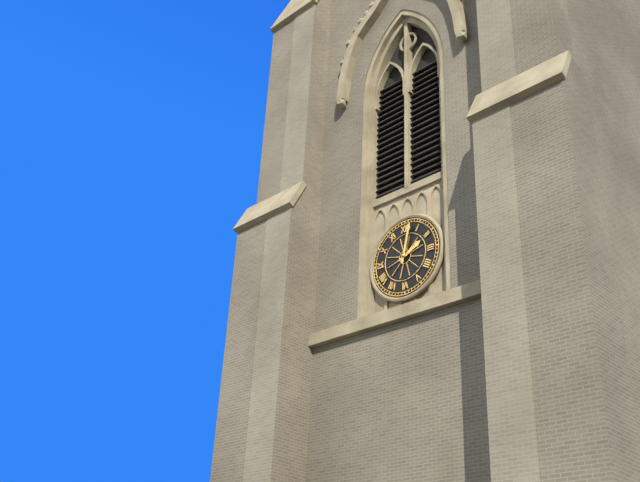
2:02
